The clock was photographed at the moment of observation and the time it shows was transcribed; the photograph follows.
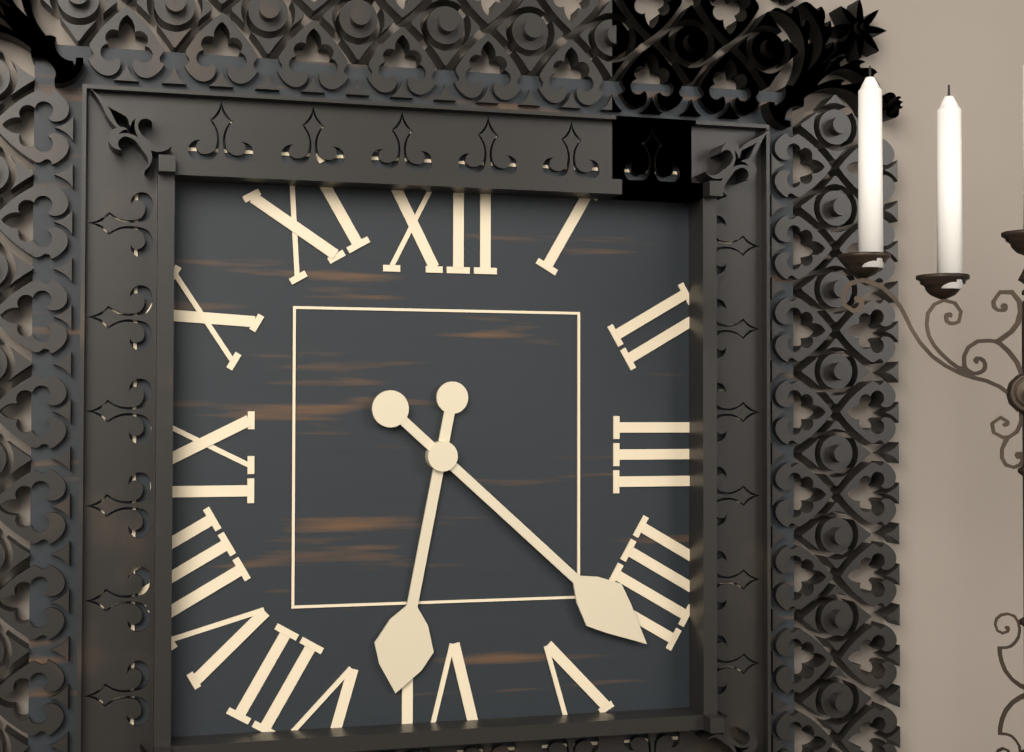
6:22
